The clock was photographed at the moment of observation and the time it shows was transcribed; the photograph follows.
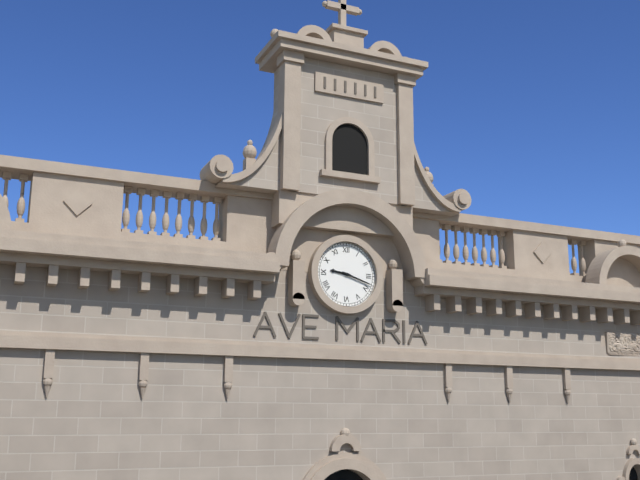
9:18
